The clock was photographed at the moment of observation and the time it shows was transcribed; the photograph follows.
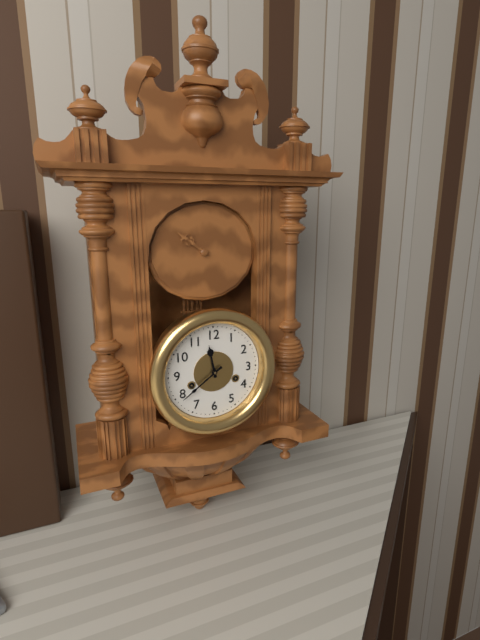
11:39
